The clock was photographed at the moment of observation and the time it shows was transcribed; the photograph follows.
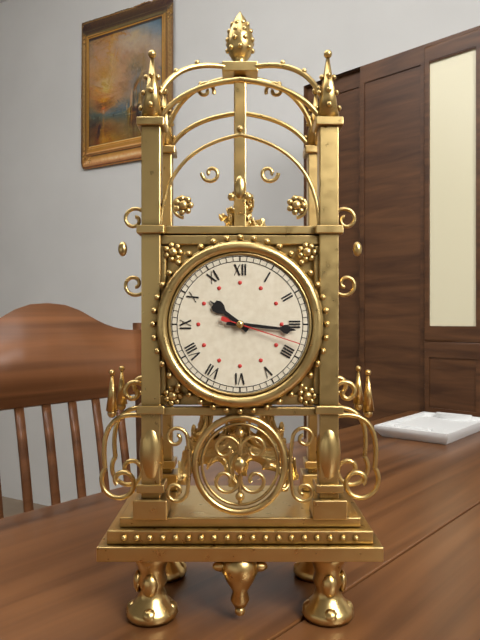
10:16:18
